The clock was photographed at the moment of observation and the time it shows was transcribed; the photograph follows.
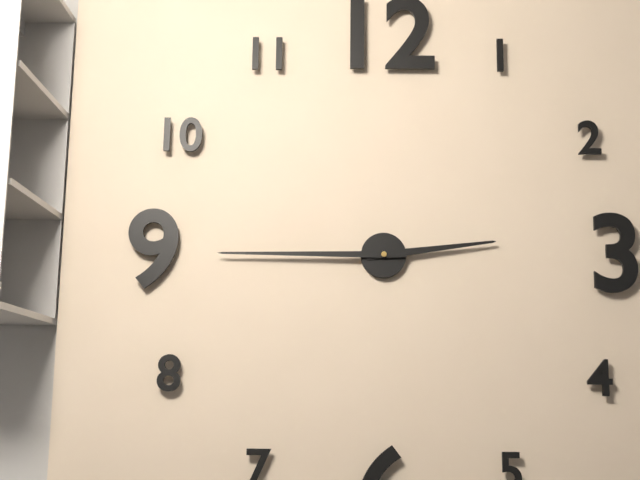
2:45
